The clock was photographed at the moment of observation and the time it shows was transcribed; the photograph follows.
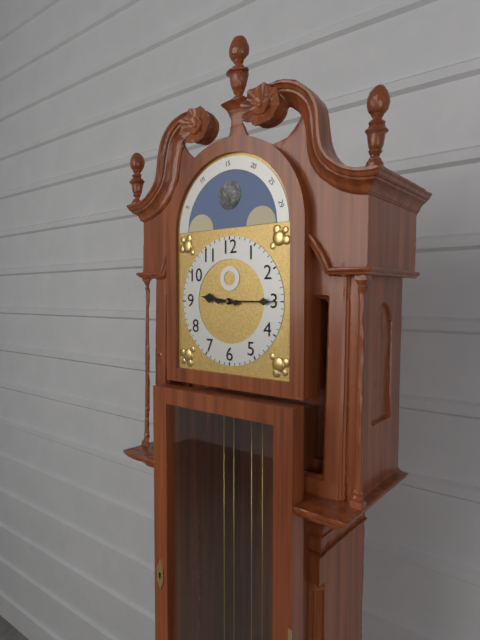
9:15
